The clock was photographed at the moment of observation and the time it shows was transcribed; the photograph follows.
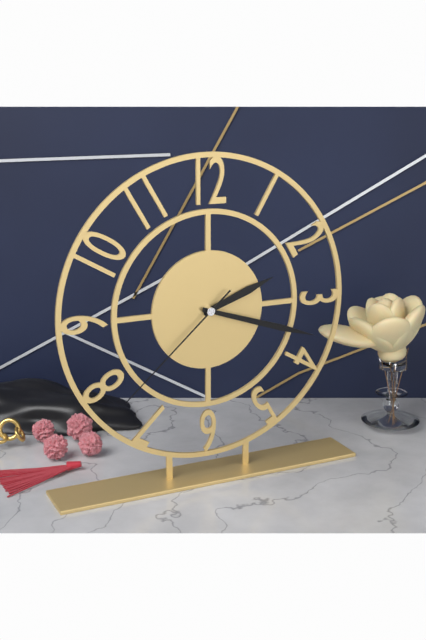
2:18:38
